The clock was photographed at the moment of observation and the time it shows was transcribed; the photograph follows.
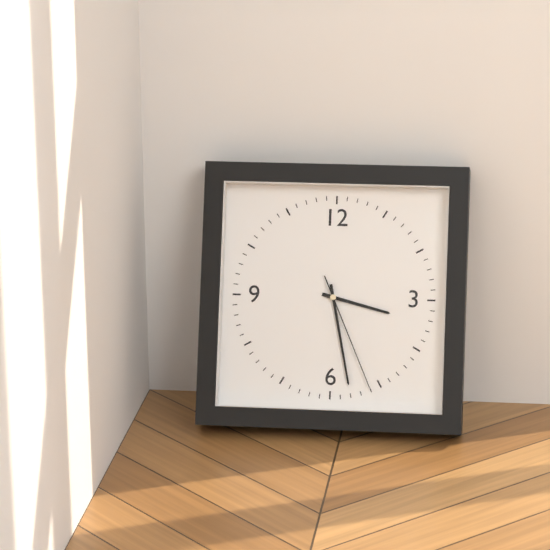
3:28:26
